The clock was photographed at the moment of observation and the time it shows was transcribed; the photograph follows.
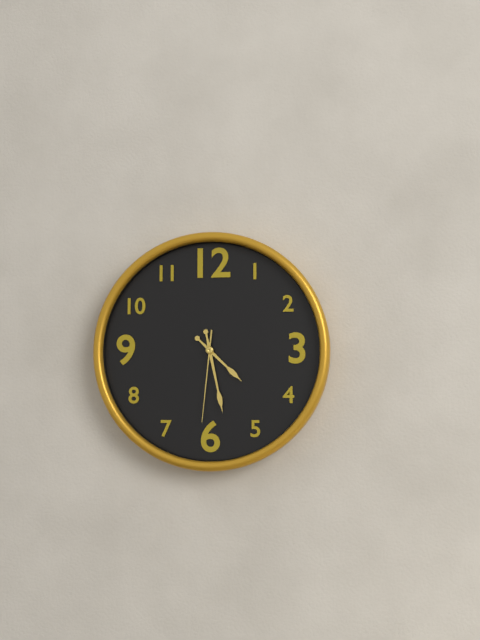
4:28:31
